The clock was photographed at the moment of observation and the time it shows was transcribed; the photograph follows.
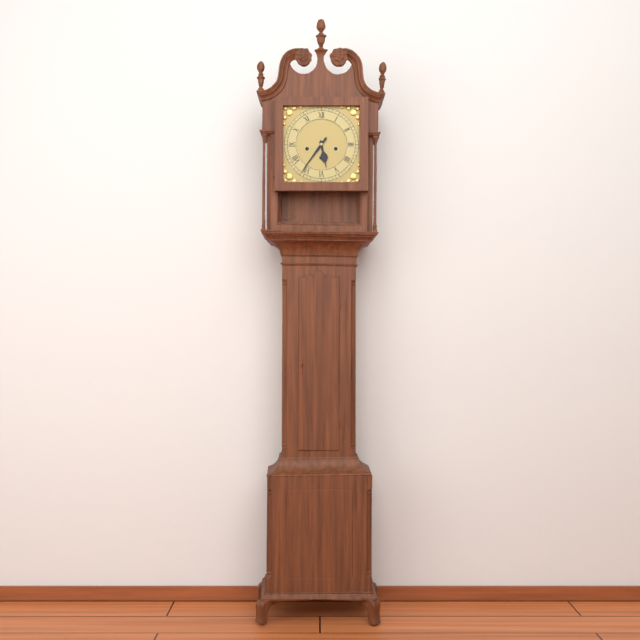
5:36
